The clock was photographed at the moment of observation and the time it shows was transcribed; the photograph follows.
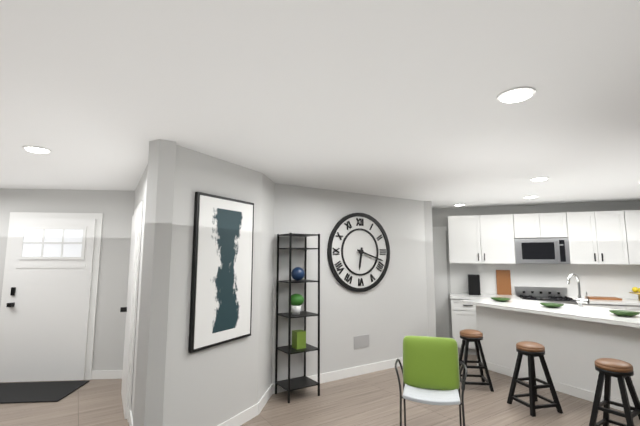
6:18
